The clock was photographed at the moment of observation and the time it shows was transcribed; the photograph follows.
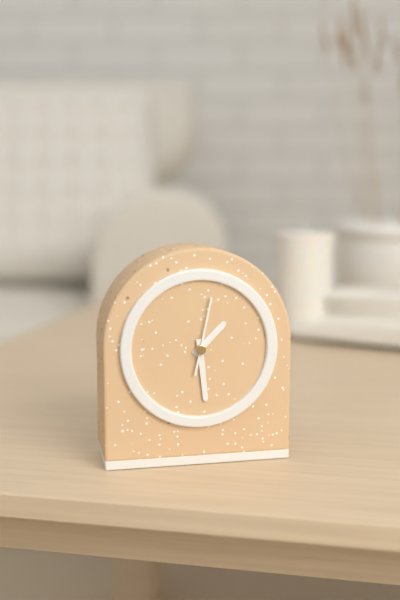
1:29:02
